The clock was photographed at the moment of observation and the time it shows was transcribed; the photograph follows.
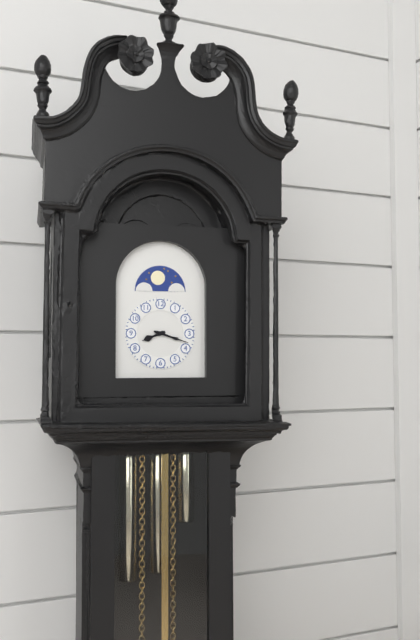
8:18
